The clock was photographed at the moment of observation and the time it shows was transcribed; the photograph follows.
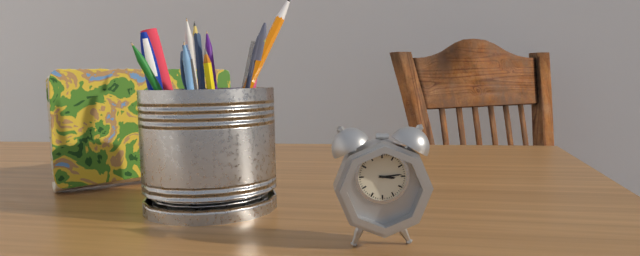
3:14
